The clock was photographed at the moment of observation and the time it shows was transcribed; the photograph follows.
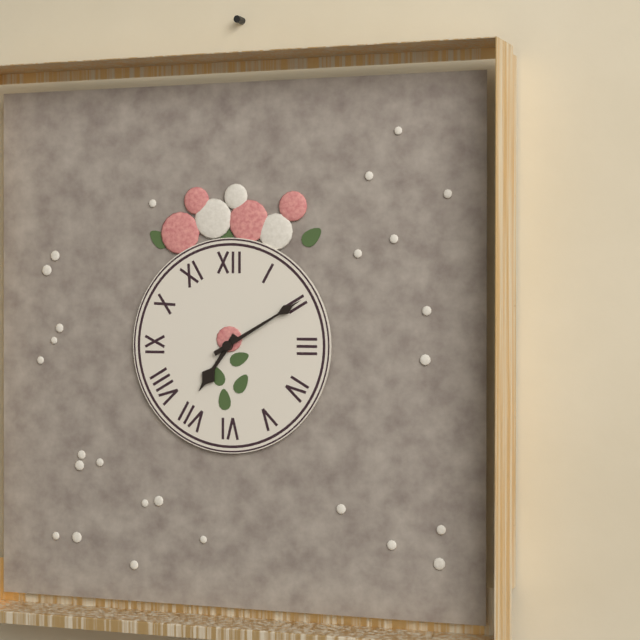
7:10
